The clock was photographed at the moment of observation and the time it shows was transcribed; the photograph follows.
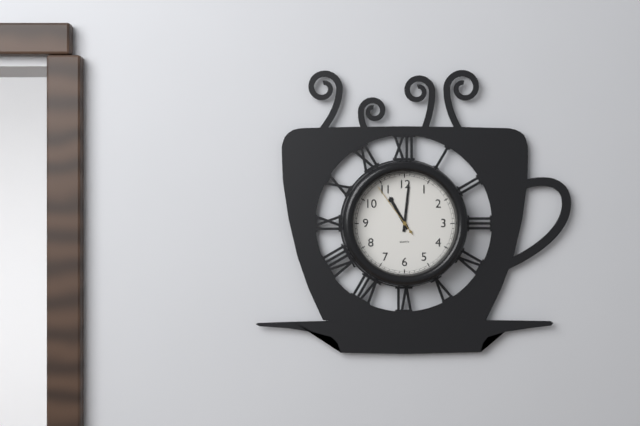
11:01:54
